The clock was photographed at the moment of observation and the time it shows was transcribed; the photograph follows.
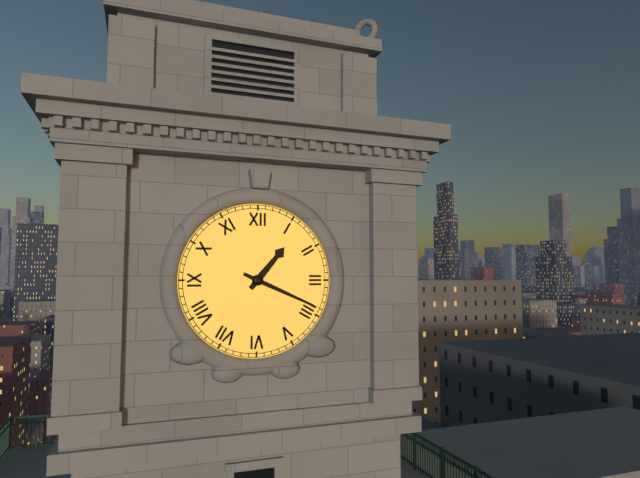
1:19
